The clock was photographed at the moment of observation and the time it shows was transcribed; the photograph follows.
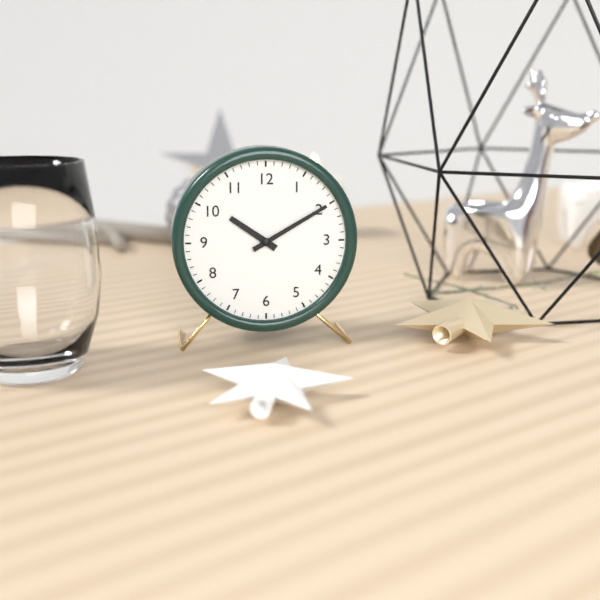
10:10
